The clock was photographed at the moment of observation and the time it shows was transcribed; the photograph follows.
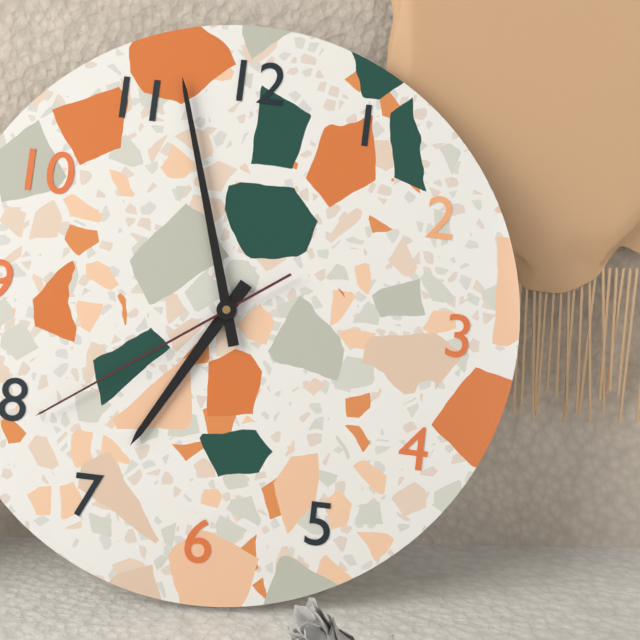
6:57:39
